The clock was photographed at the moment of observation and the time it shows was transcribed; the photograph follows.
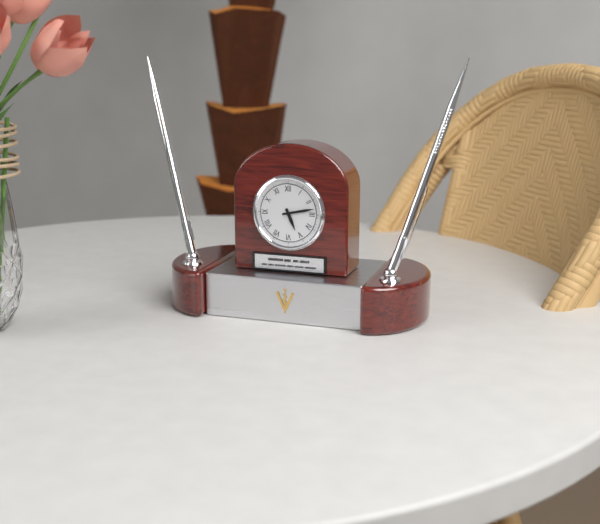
5:13
